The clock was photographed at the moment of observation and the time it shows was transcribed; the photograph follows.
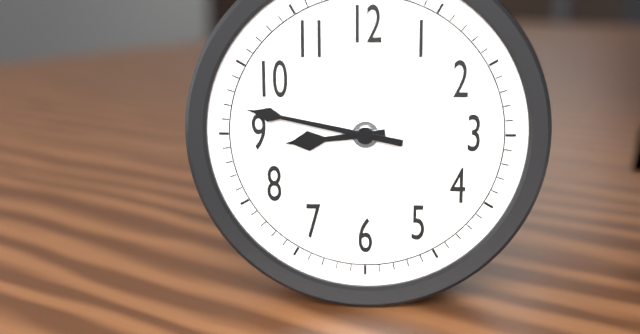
8:47
